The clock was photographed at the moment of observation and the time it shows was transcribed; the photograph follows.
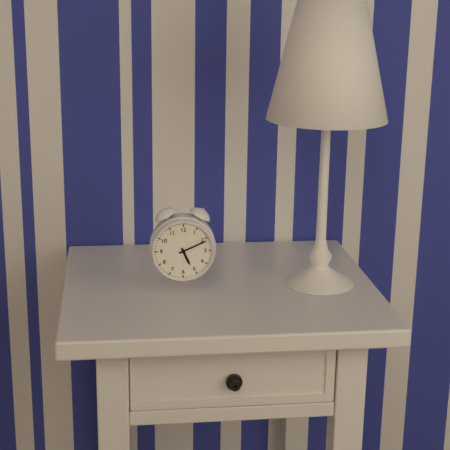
5:11
